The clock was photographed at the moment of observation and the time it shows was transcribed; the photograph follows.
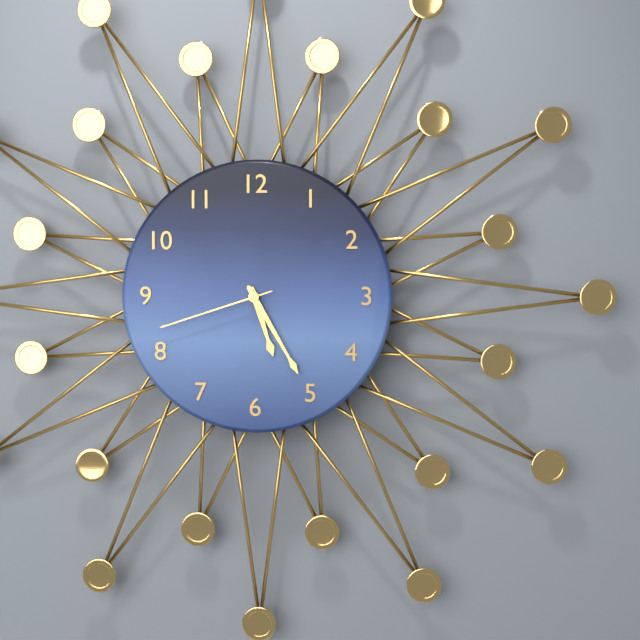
5:25:42
